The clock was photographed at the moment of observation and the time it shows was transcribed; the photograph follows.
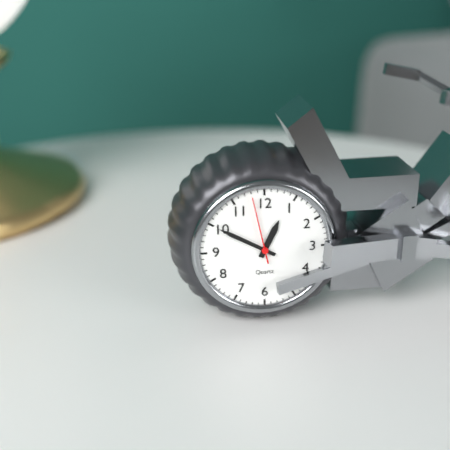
12:50:58
